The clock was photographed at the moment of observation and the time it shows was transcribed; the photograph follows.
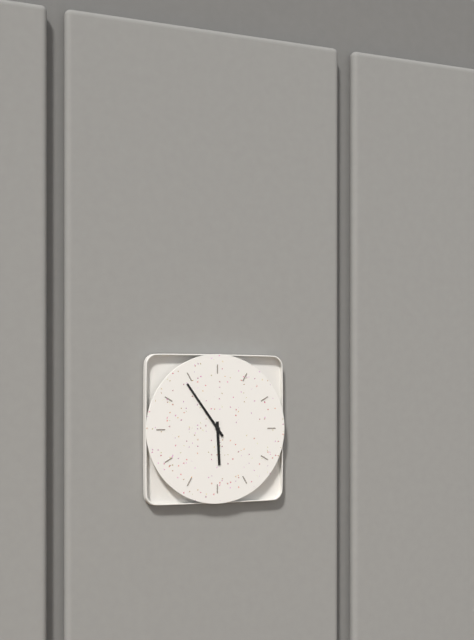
5:54
